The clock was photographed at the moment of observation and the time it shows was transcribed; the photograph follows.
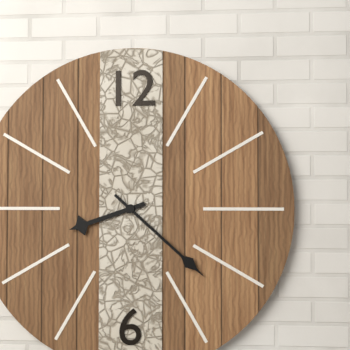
8:22
